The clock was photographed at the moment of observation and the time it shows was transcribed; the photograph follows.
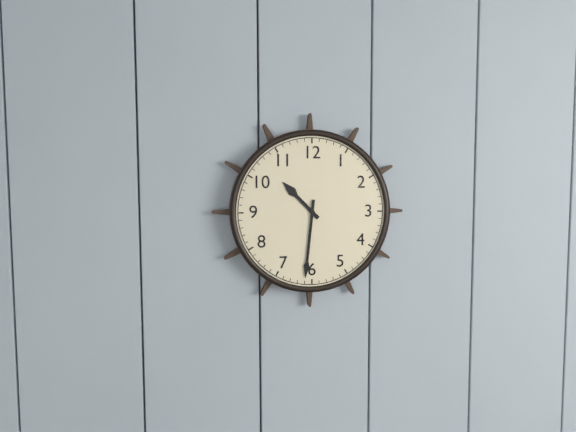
10:31
